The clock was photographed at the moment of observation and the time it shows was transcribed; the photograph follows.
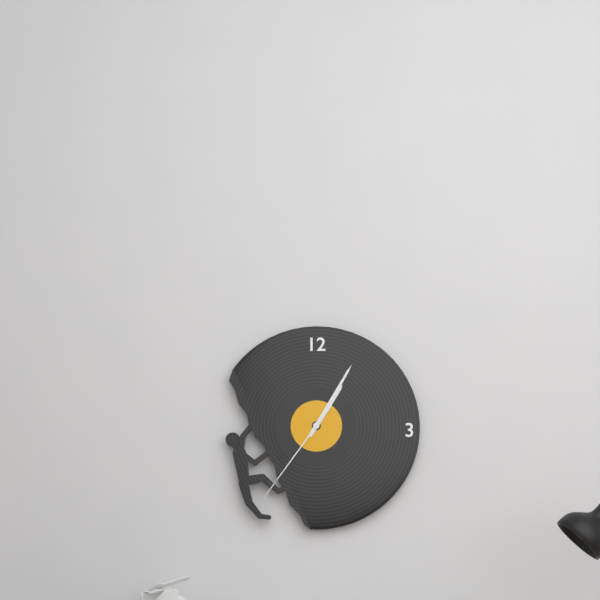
1:05:36
